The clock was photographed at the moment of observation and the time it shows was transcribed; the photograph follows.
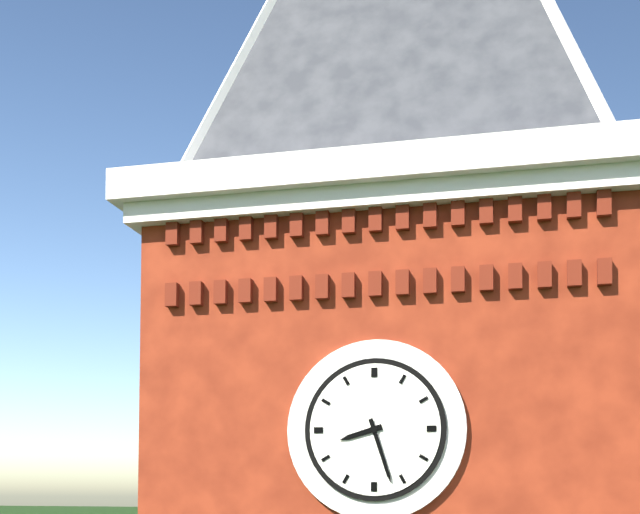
8:27
